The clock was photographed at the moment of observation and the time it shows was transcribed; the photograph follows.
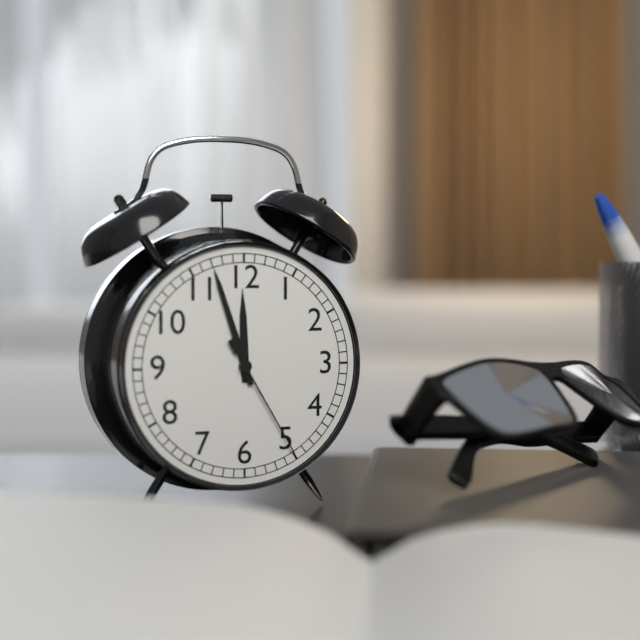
11:57:25
